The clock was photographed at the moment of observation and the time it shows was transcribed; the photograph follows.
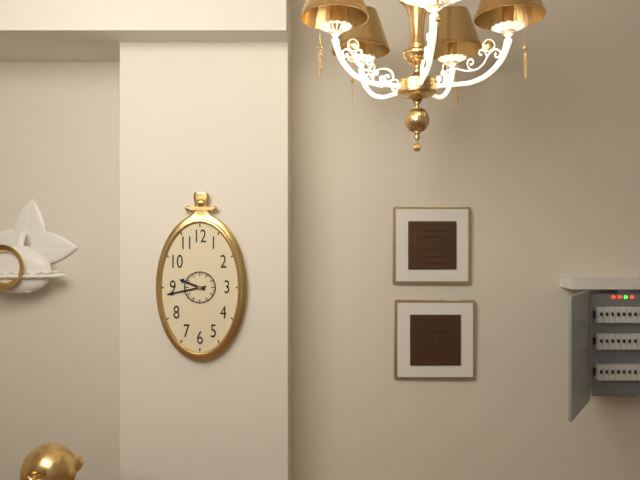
9:43
